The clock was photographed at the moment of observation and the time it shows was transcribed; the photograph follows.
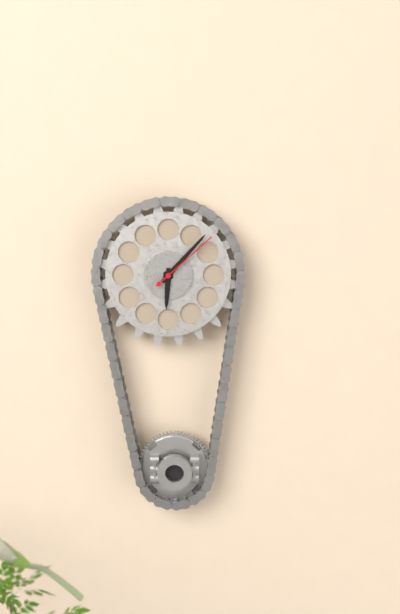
6:07:08
